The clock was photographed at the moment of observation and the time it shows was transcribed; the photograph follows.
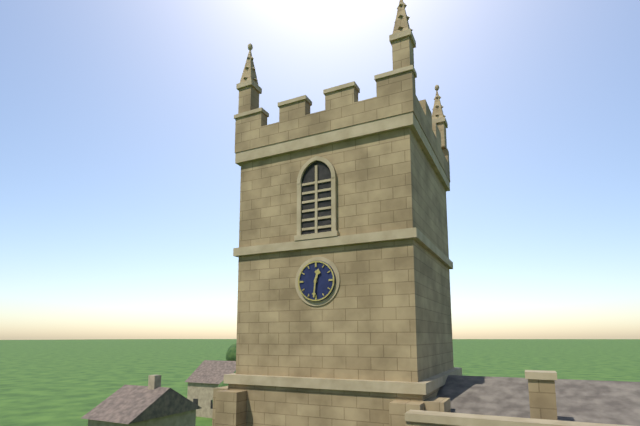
12:31
